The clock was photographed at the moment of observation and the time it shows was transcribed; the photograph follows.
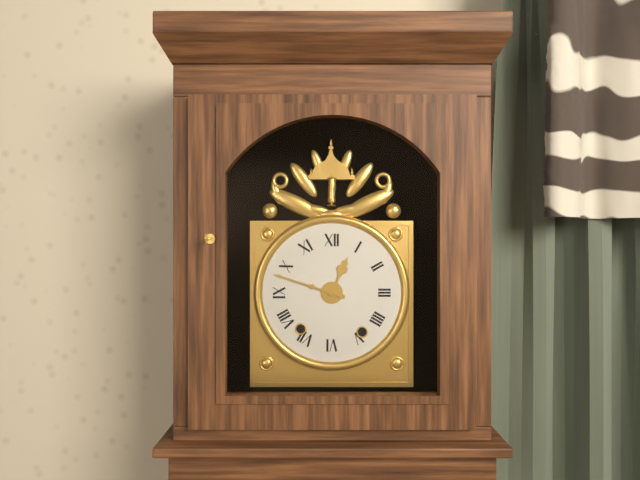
12:48
